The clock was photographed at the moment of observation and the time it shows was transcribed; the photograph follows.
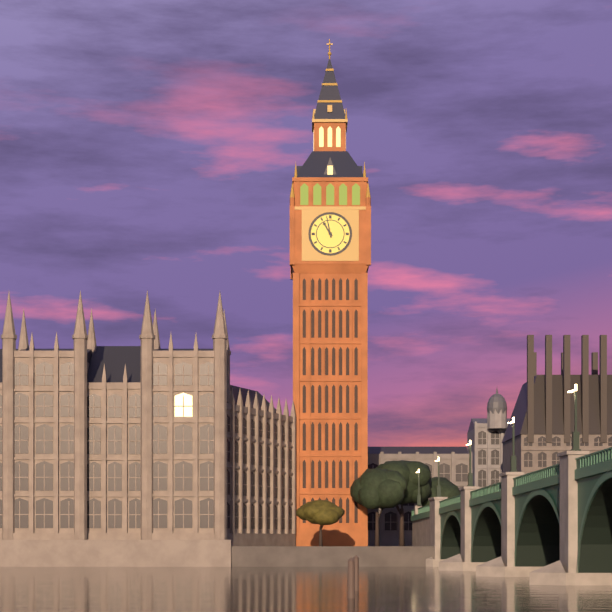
10:58
